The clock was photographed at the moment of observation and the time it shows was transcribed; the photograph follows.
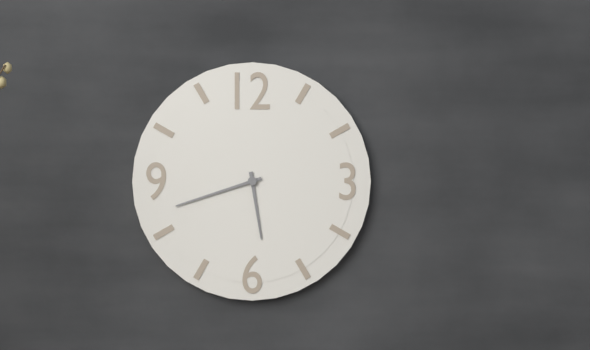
5:42
